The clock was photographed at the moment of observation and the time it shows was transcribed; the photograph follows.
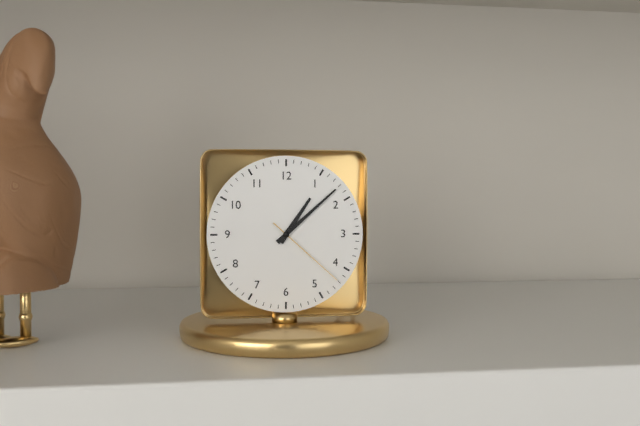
1:08:22
